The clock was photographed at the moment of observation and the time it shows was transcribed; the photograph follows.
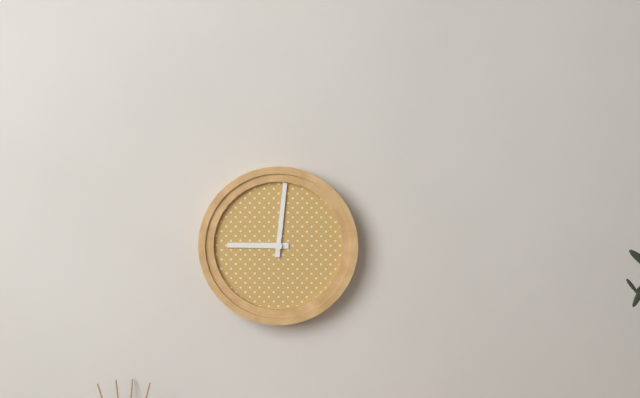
9:01
